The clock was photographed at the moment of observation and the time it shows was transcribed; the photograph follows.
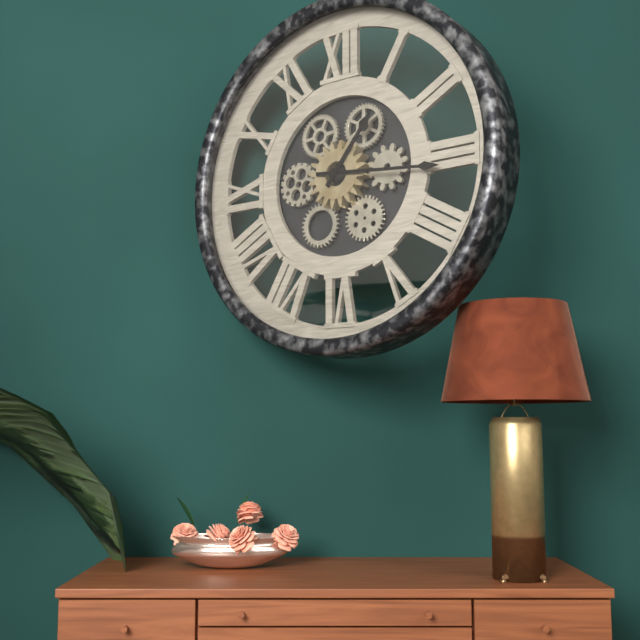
1:16
